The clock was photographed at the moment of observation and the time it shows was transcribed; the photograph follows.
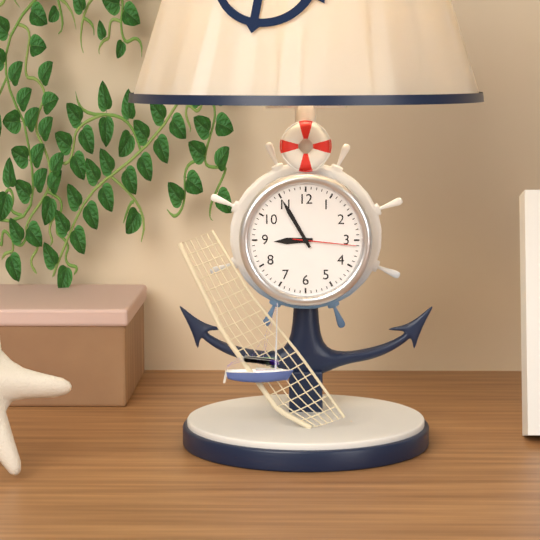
8:55:16
